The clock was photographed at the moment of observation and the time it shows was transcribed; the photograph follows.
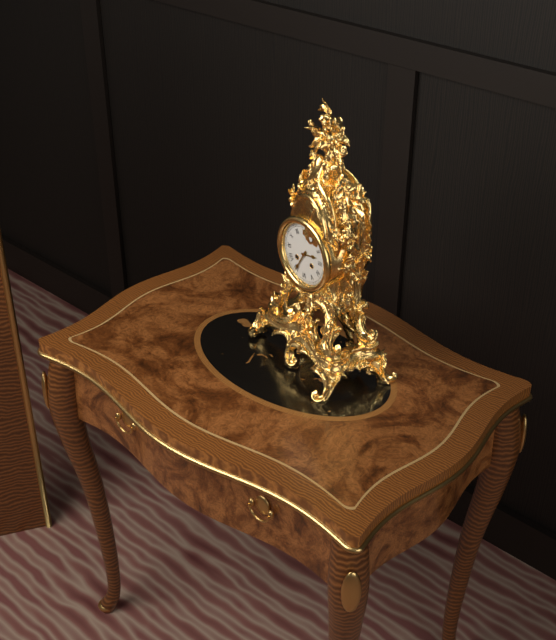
2:35
